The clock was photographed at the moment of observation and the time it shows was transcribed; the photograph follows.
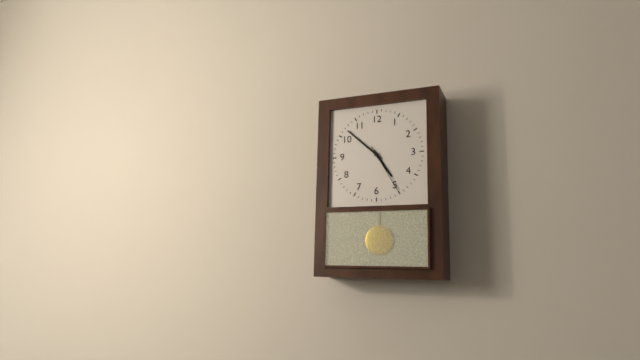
4:52:25
